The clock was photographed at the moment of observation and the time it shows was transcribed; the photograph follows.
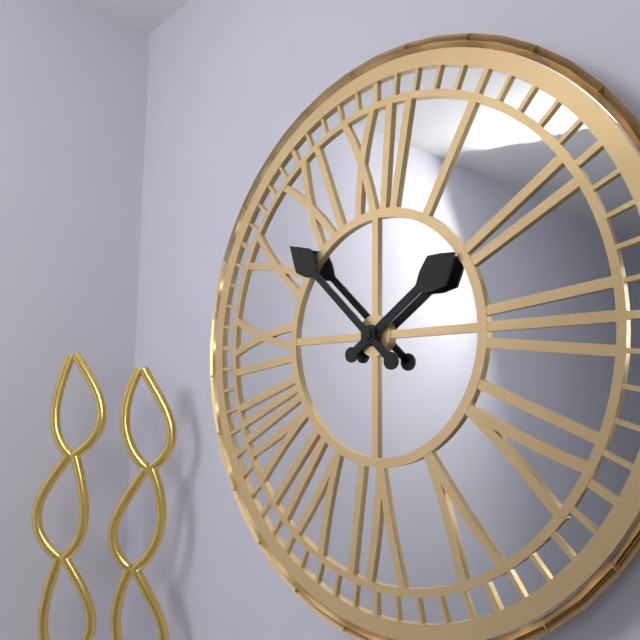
1:52
